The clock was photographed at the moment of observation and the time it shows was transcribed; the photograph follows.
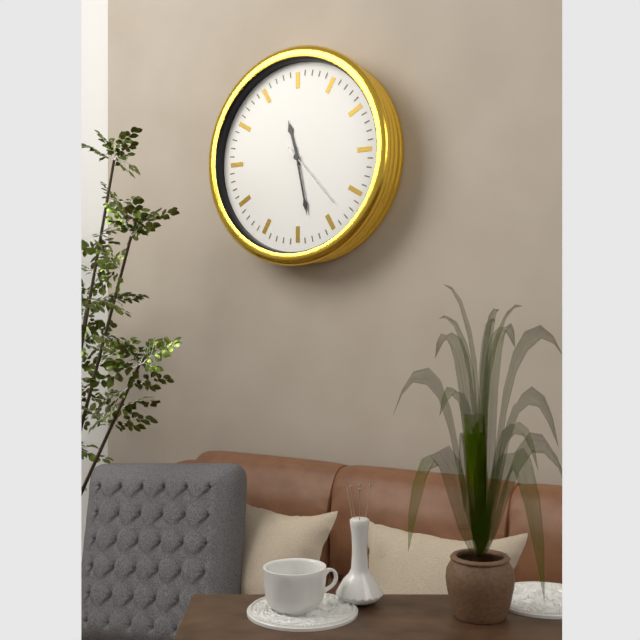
11:28:23
